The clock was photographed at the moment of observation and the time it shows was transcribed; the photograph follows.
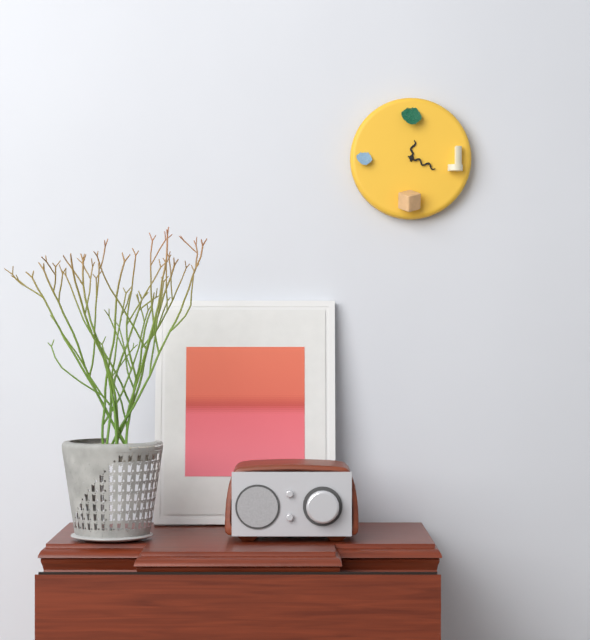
12:19
